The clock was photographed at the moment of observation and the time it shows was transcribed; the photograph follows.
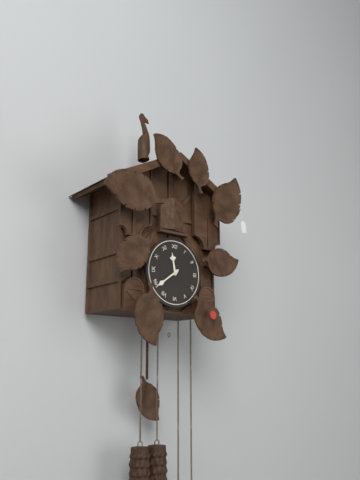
11:39
